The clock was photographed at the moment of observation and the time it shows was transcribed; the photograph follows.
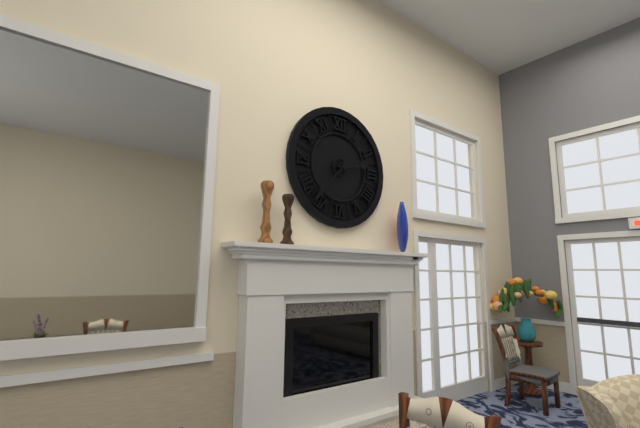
2:37
